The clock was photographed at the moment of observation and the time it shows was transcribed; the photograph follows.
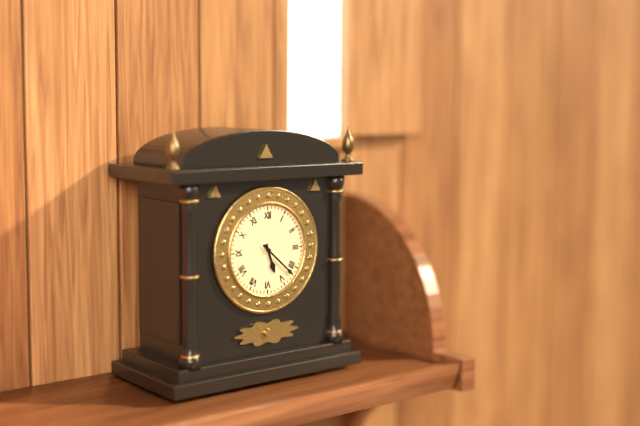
5:22
